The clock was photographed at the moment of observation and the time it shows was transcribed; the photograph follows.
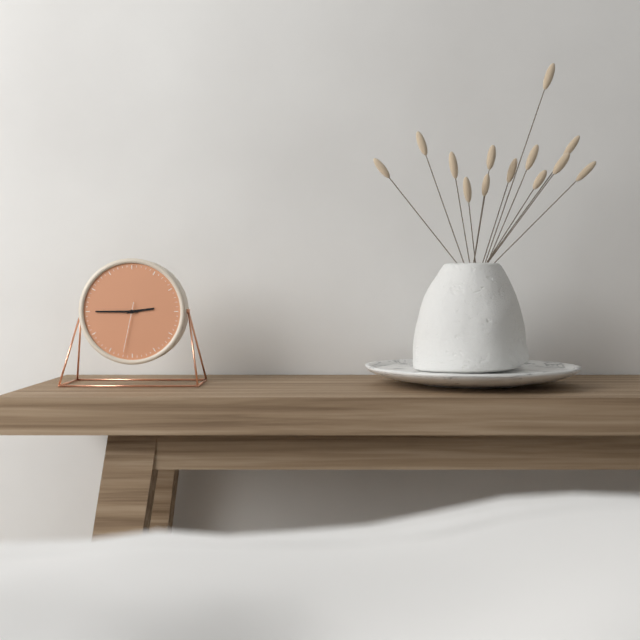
2:45:32
